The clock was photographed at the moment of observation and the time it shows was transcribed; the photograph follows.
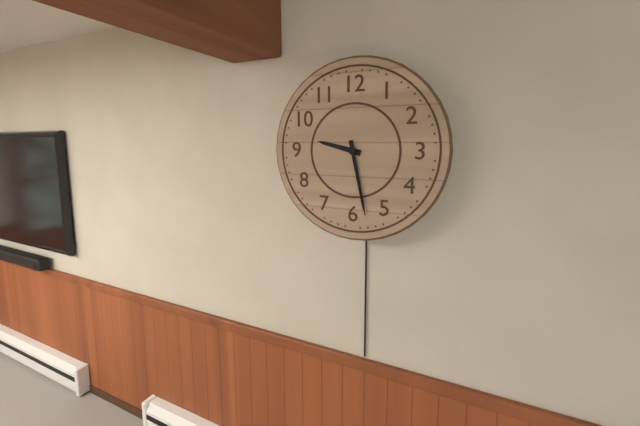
9:28
